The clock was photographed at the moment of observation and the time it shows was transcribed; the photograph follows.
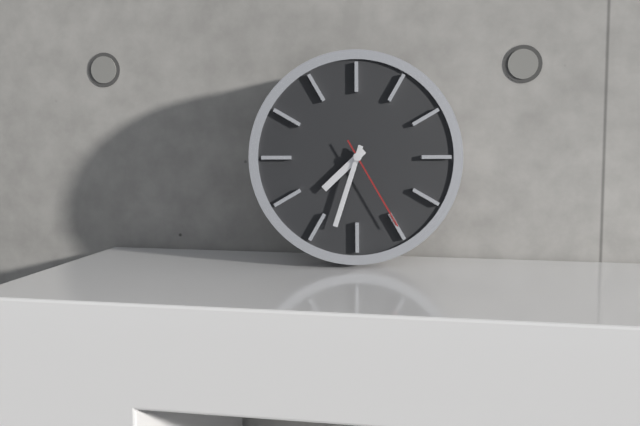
7:33:25
